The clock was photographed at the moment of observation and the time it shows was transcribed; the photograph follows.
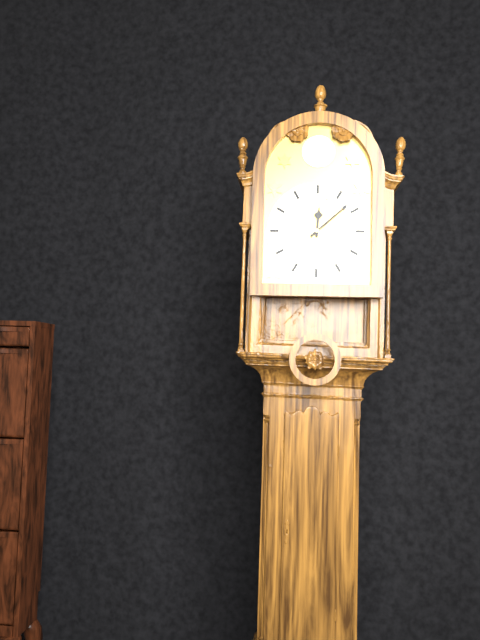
12:08
